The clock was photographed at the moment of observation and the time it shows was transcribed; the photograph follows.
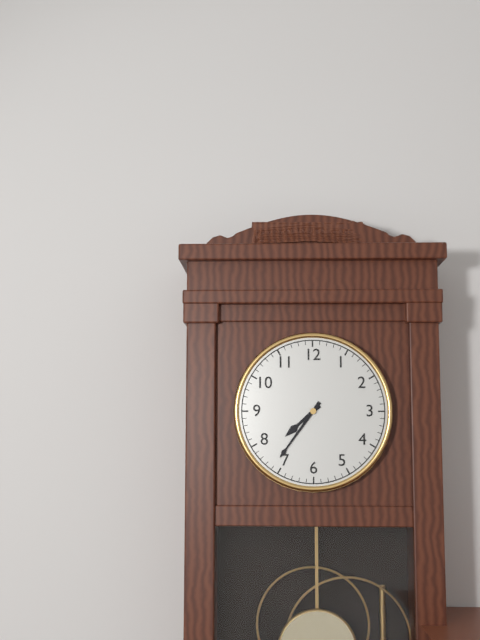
7:36
